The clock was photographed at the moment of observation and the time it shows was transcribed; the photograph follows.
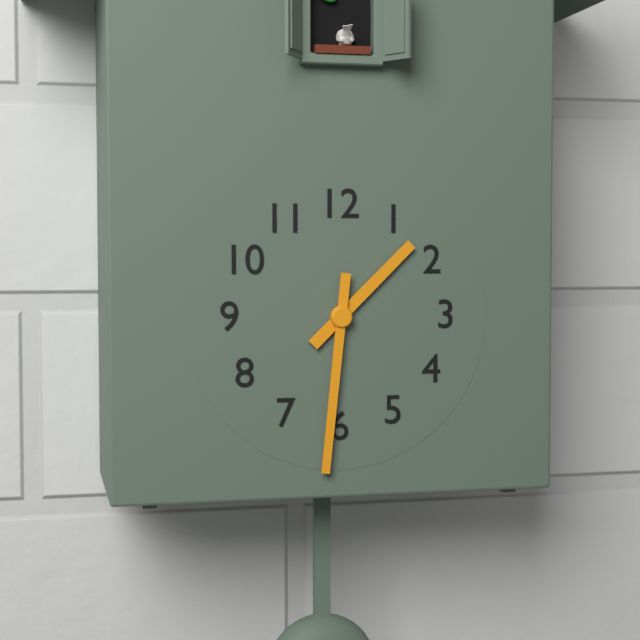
1:31
